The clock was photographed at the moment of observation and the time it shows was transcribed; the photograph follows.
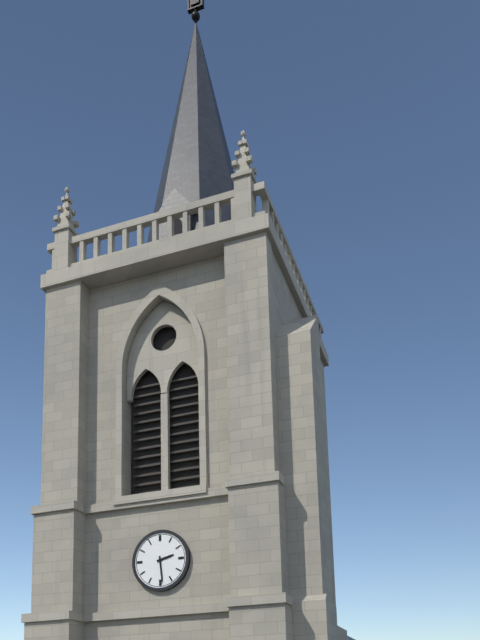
2:29
